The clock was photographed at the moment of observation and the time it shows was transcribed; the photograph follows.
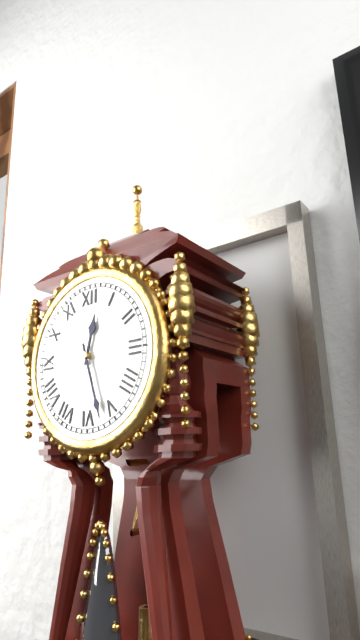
12:27
